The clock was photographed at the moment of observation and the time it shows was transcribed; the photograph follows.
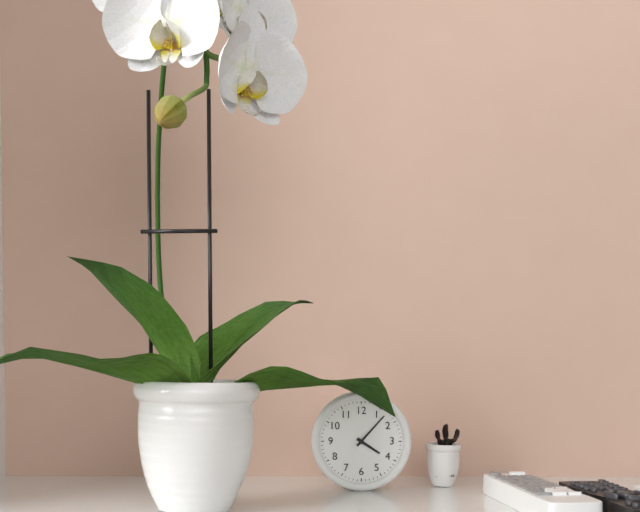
4:07
